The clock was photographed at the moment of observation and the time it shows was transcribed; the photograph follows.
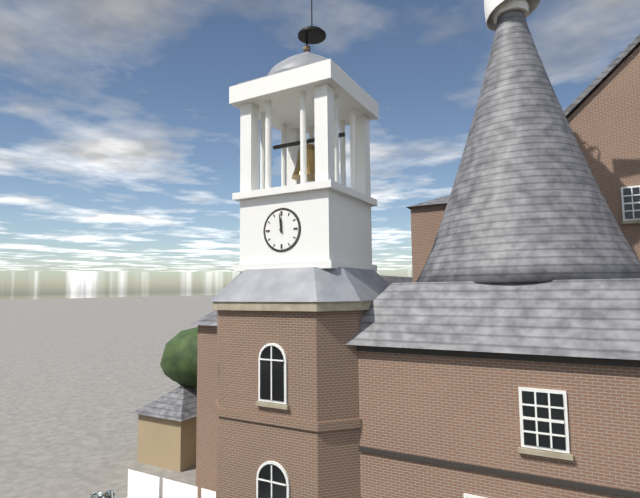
11:59
